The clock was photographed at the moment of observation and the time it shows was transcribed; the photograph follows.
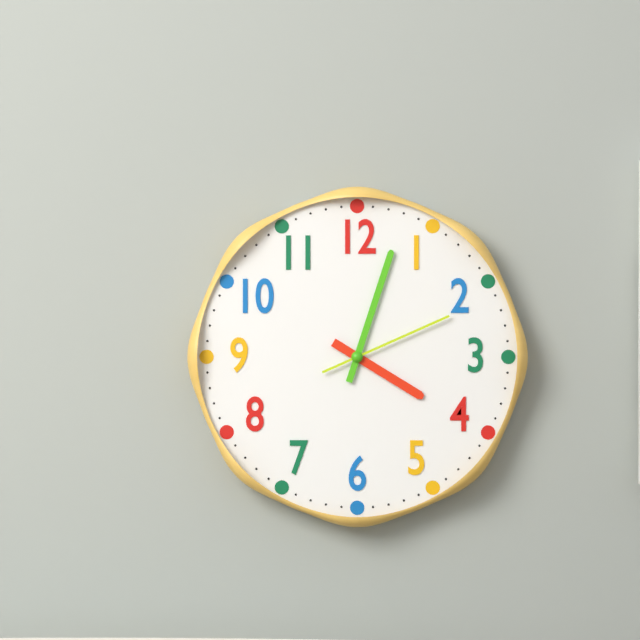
4:03:11
